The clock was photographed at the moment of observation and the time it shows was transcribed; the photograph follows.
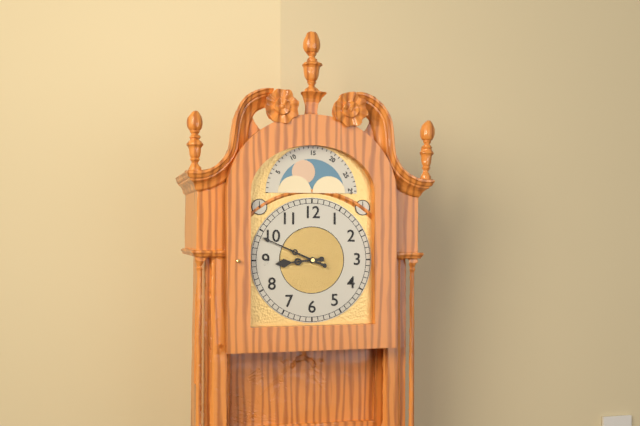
8:49
